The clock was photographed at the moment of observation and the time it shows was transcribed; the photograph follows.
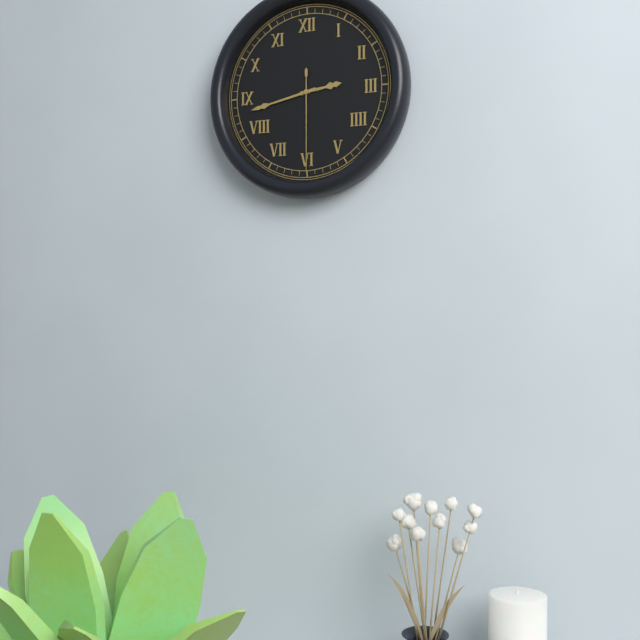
2:43:30
